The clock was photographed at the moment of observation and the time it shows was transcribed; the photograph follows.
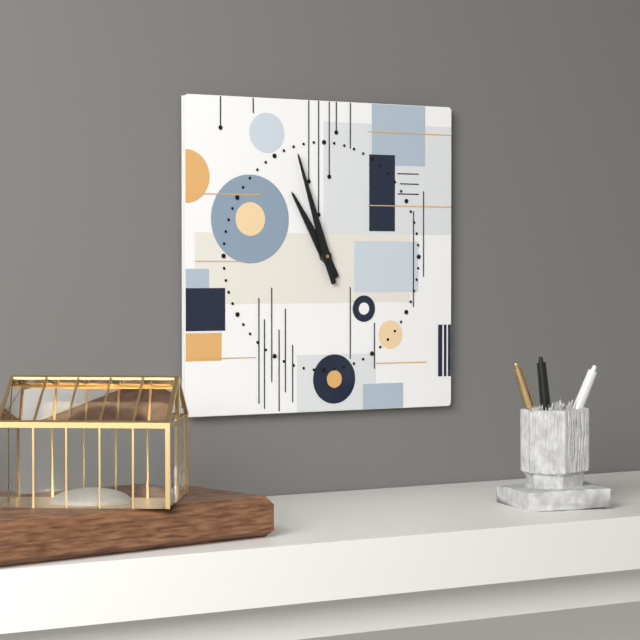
10:57
